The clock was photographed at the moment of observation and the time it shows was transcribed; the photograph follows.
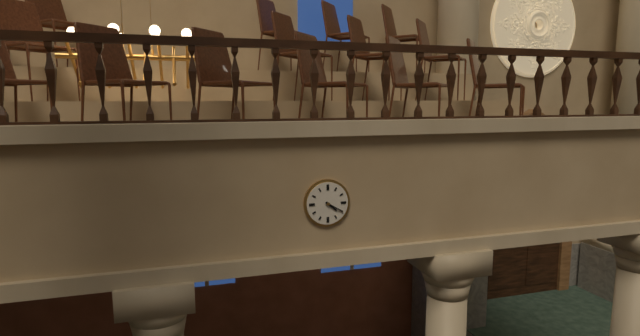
4:20
